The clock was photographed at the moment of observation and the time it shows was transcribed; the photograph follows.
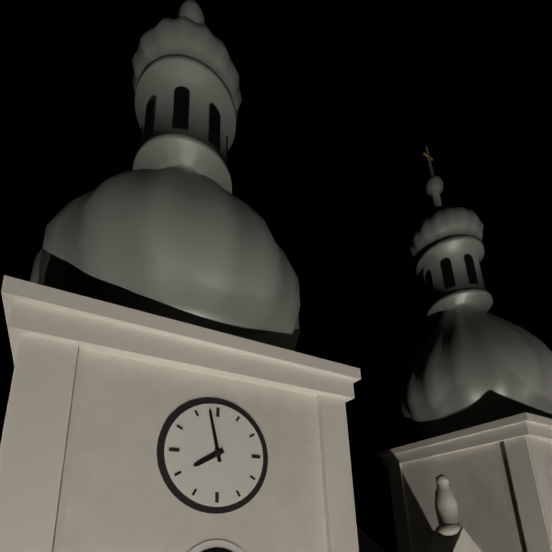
7:58
